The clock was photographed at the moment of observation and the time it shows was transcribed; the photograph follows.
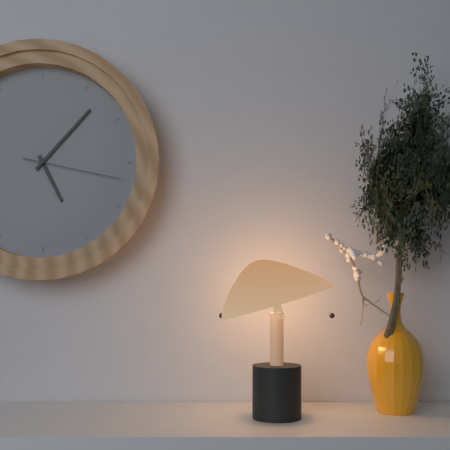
5:07:17
